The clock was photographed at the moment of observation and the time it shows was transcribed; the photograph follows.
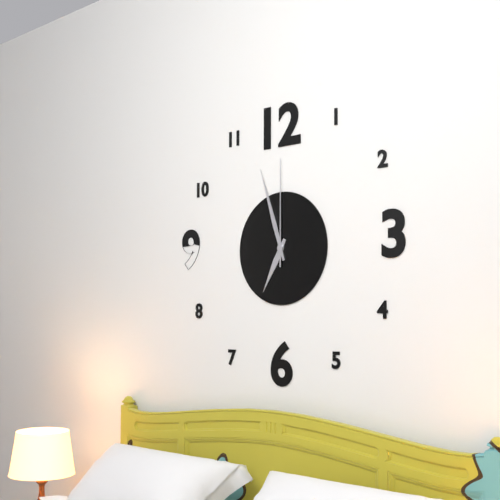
6:57:00
